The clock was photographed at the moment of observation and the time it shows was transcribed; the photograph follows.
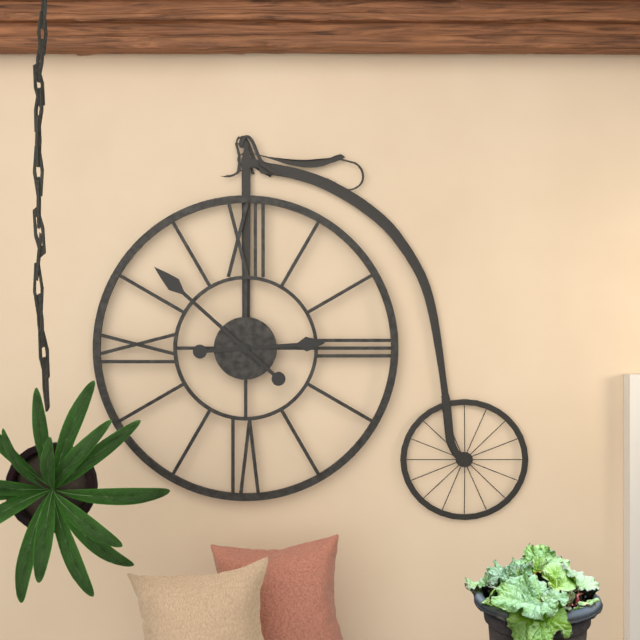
2:52
